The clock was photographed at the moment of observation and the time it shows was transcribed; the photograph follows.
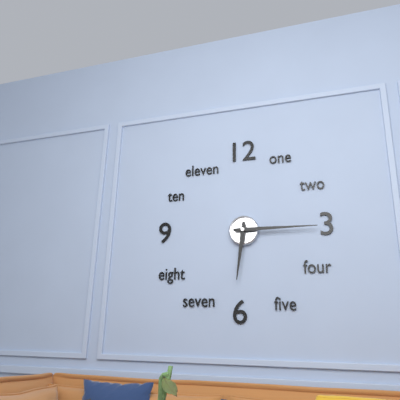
6:15
